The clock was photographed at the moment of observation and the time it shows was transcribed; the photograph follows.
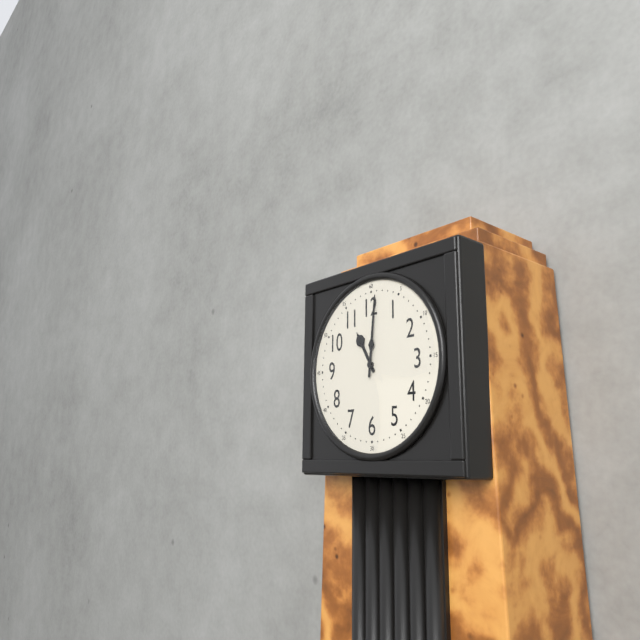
11:01
